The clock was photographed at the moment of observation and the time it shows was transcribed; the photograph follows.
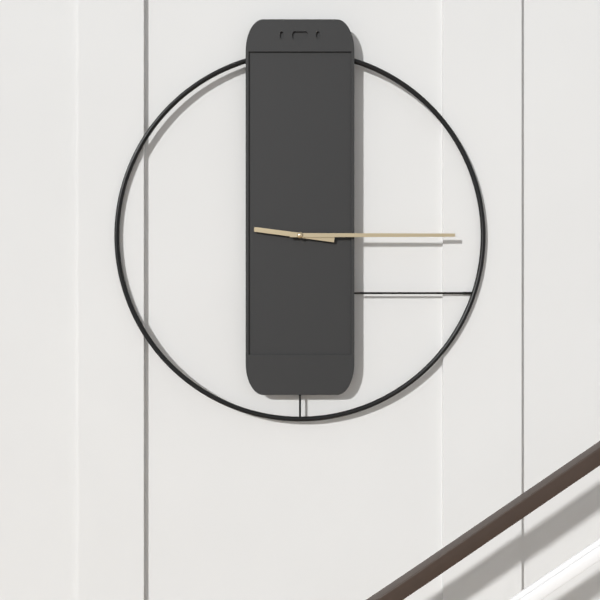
9:15
